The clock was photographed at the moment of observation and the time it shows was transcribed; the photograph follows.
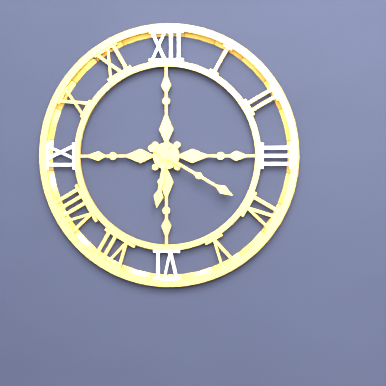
6:20
